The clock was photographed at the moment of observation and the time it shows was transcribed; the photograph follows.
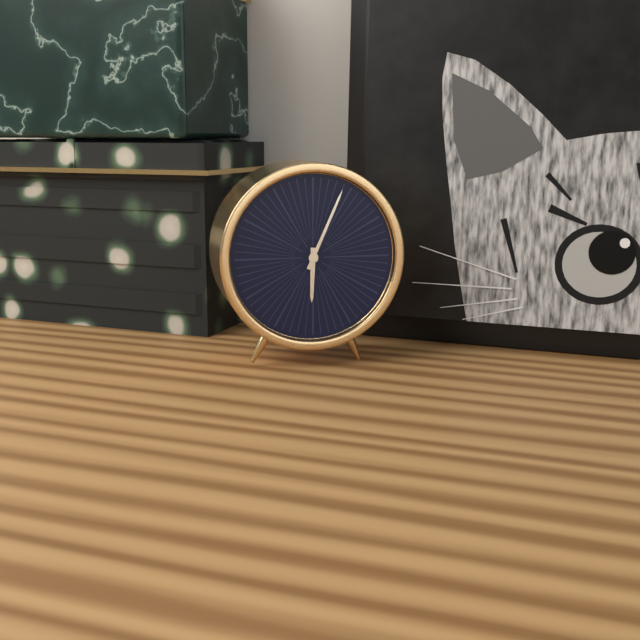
6:04
